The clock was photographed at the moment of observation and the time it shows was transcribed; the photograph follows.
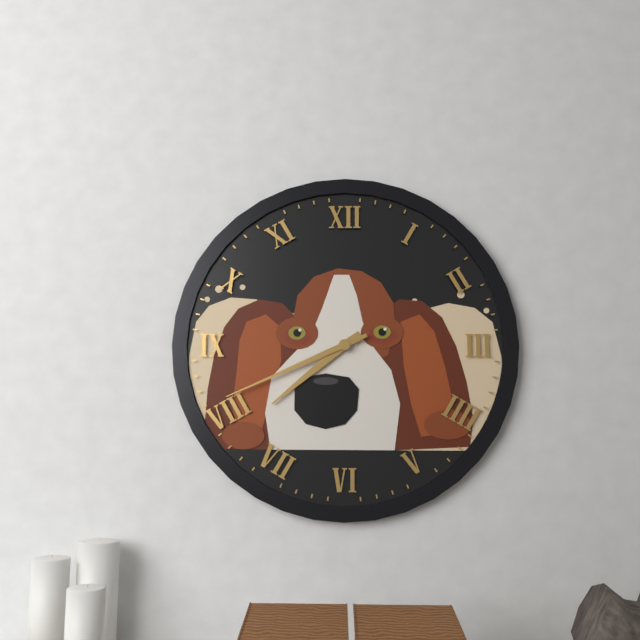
7:41
